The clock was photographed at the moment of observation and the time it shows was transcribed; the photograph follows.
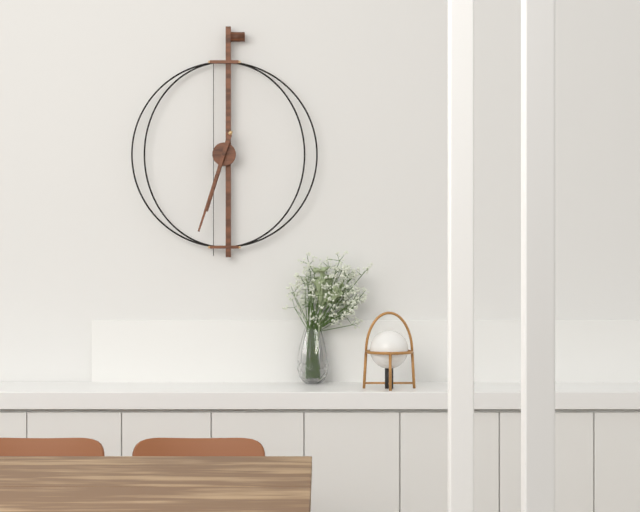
6:33
